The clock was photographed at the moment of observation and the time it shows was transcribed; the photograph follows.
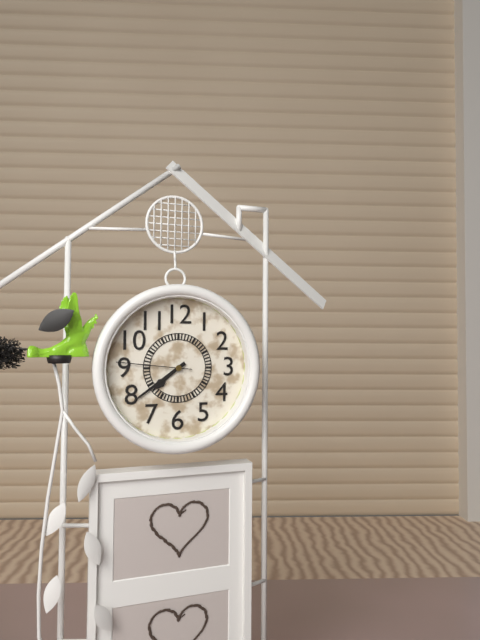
7:39:46
